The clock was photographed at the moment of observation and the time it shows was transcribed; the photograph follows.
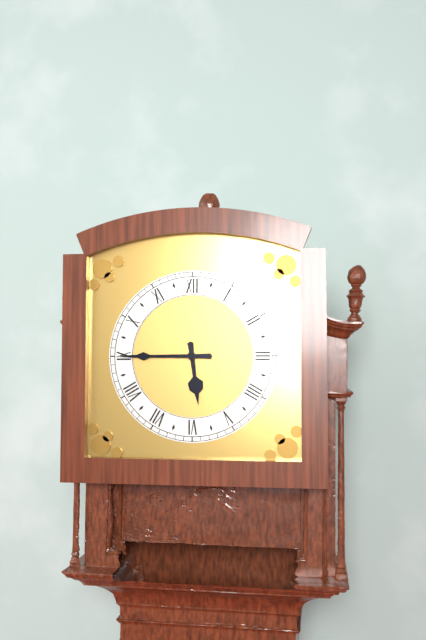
5:45
